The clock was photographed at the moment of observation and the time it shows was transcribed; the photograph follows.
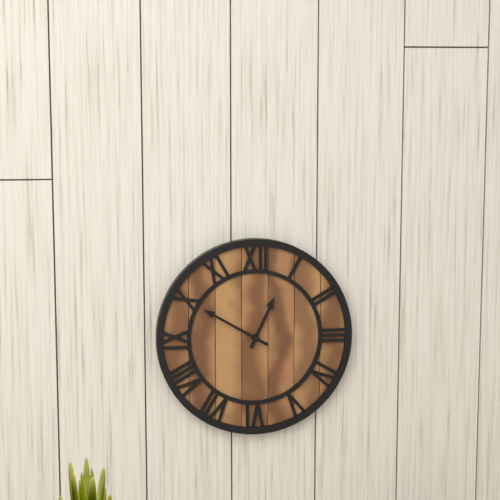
12:50
